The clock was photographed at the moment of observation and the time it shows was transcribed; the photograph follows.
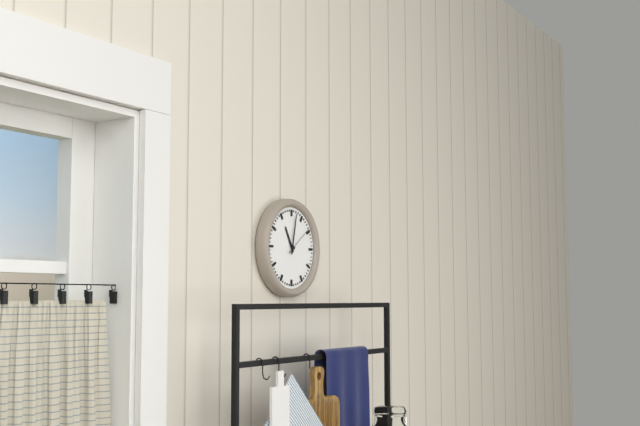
11:02
